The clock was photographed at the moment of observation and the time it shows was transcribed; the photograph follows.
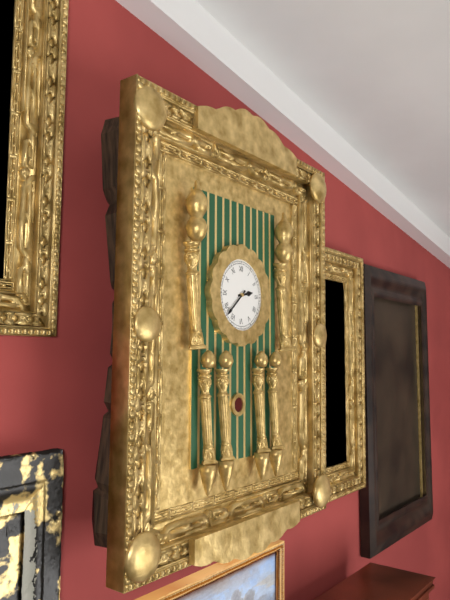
2:38
